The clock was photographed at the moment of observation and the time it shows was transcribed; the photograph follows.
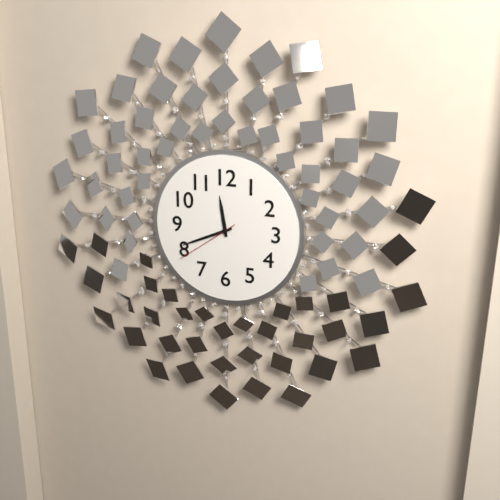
11:41:39
